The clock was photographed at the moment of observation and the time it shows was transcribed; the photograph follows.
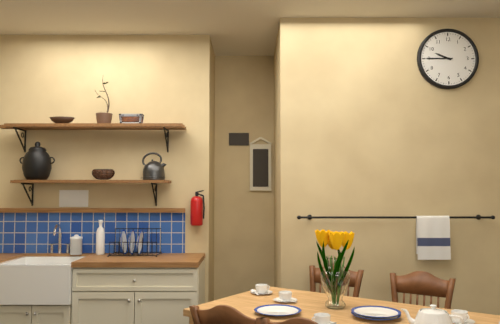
9:45
